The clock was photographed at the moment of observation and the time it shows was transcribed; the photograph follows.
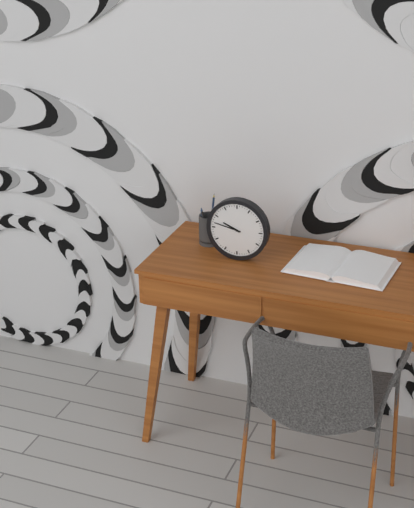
9:47
